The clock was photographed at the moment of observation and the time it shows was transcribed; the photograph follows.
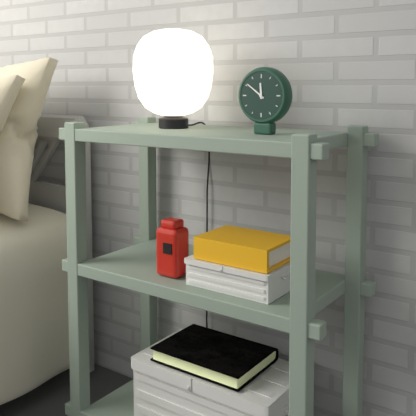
11:51
